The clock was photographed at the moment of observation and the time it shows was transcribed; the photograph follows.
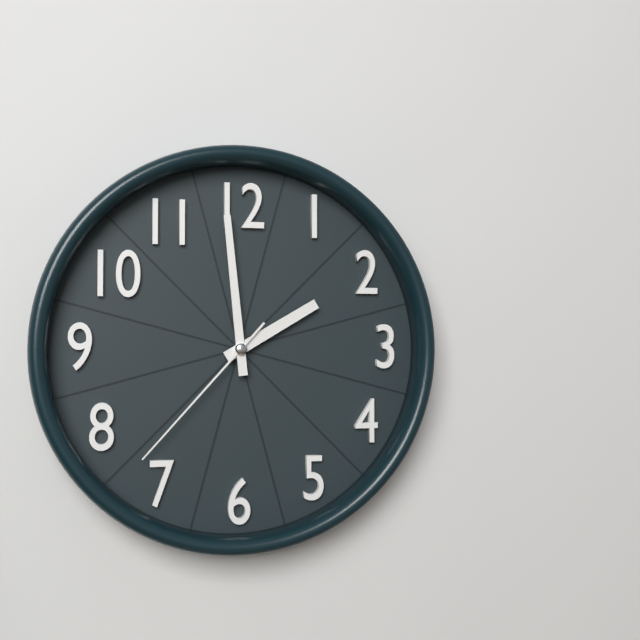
1:59:37
